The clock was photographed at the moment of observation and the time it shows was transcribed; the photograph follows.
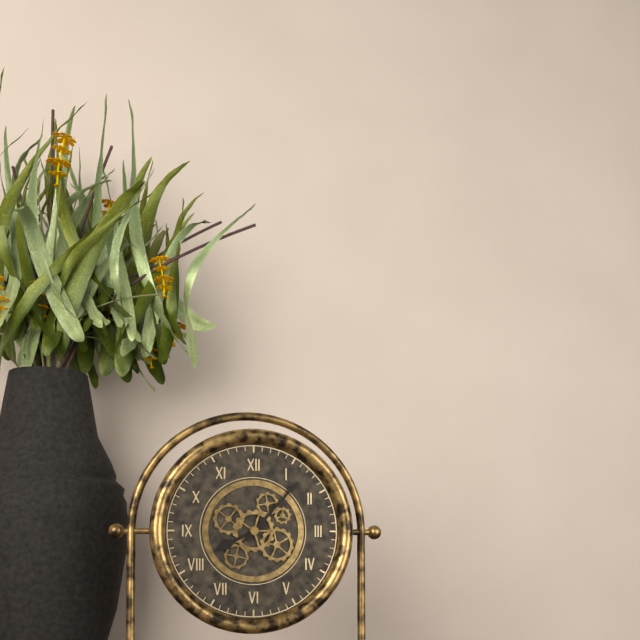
8:07
